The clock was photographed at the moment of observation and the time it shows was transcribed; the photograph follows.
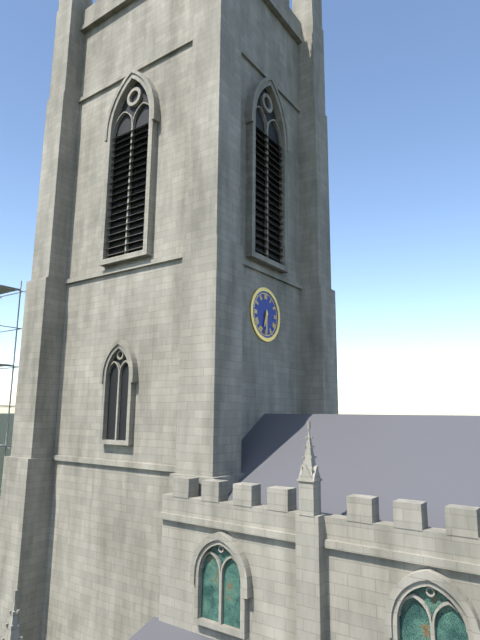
6:30
